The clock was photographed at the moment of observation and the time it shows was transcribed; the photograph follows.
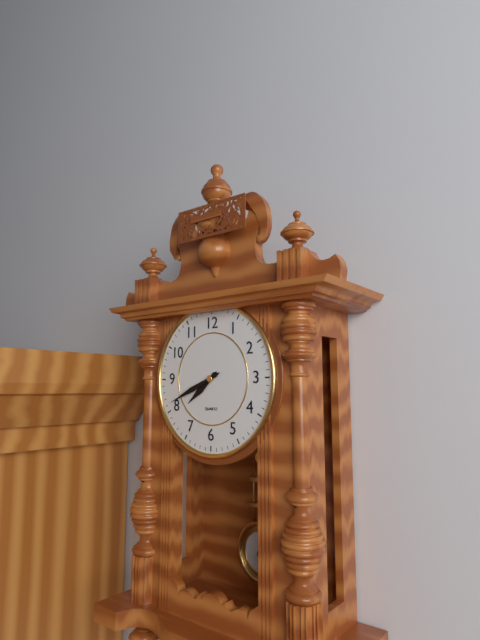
7:41
